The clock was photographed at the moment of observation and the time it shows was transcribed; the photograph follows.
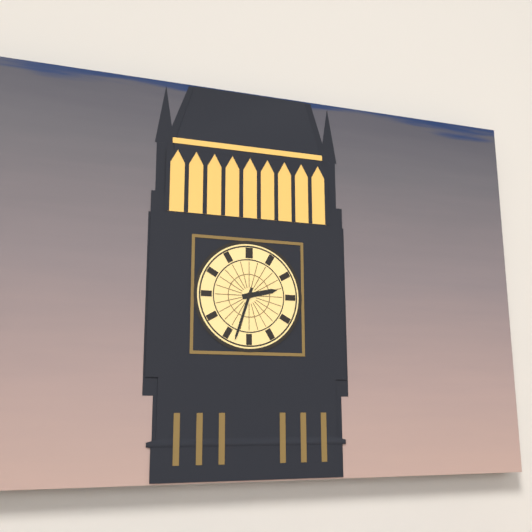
2:33
